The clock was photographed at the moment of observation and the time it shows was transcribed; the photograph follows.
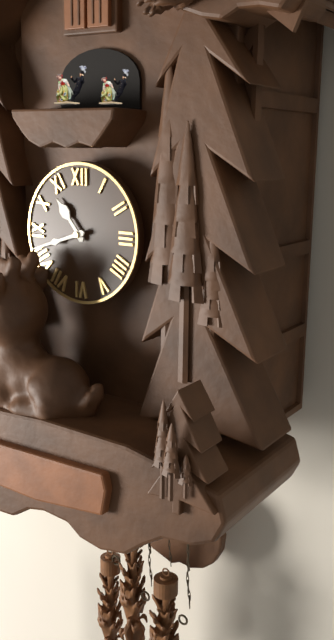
10:42
